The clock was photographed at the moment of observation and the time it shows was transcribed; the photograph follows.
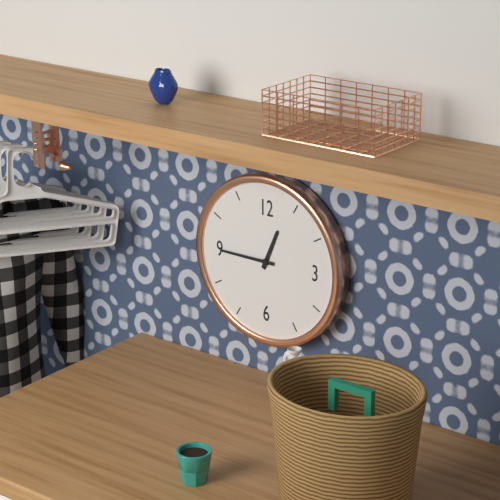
12:45
